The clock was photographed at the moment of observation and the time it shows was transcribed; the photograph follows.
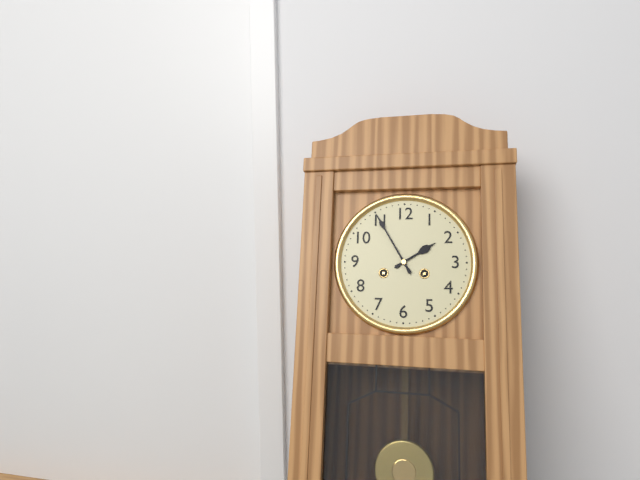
1:55
